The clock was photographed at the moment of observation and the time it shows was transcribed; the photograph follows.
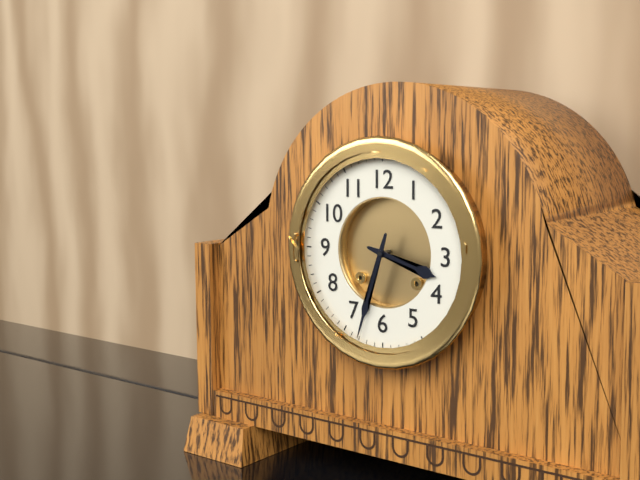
3:33
